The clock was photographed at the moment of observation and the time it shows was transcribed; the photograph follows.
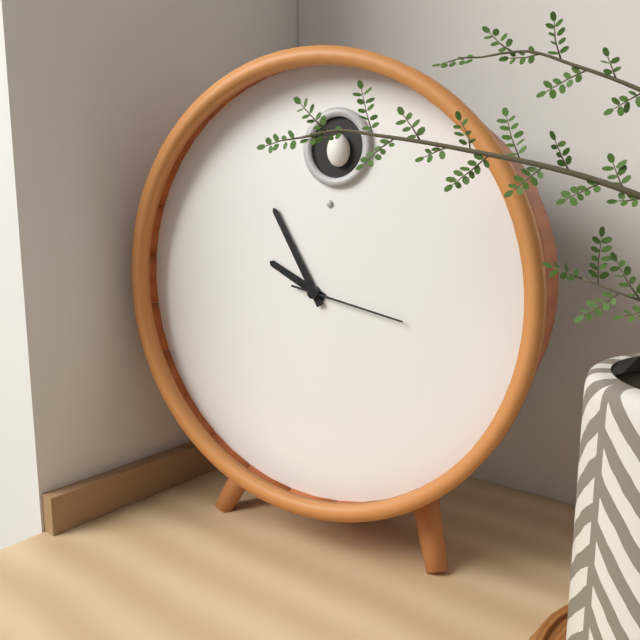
9:55:17
